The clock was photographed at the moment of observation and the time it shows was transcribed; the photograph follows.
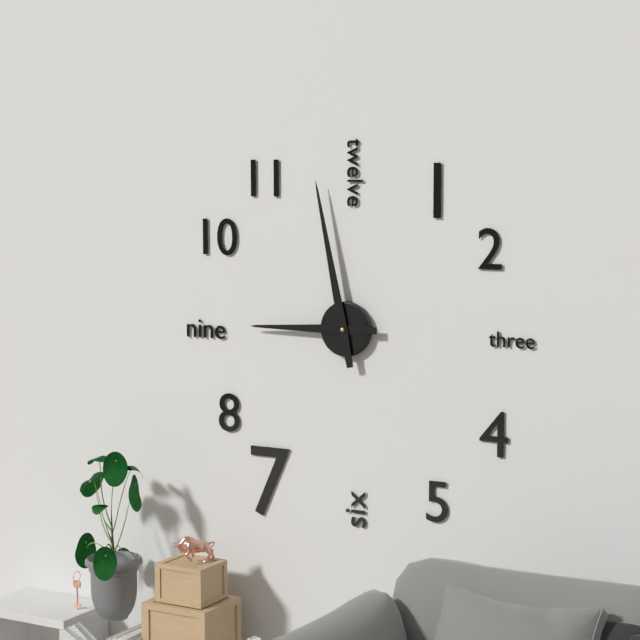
8:58
